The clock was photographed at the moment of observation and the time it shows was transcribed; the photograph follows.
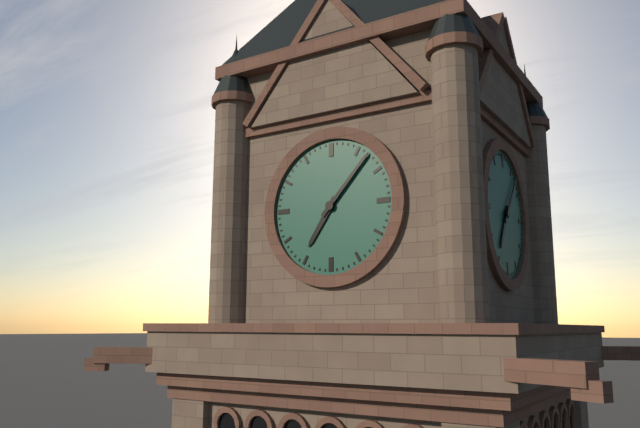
7:07
